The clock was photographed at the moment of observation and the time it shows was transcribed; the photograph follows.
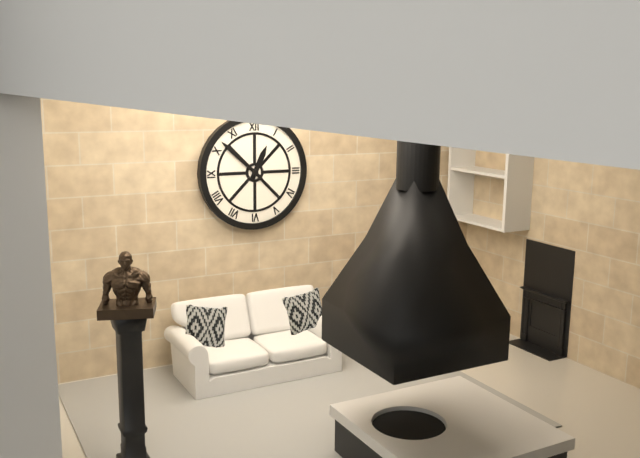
12:52
